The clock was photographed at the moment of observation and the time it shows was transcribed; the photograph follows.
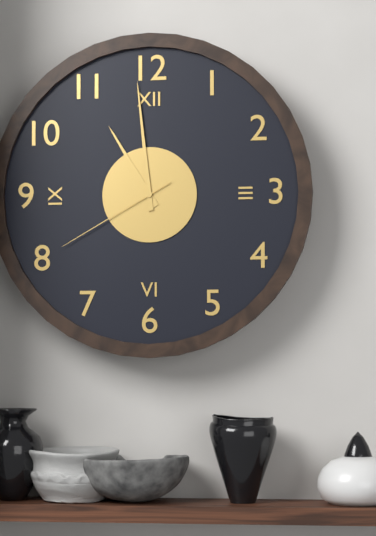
10:59:40
